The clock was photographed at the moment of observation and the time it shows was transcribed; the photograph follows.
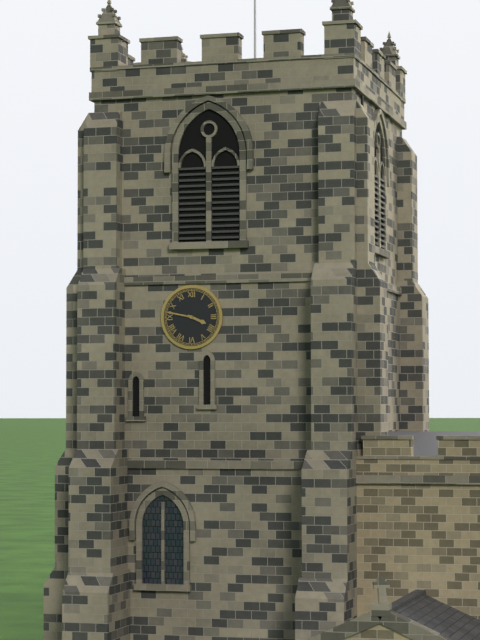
3:47
